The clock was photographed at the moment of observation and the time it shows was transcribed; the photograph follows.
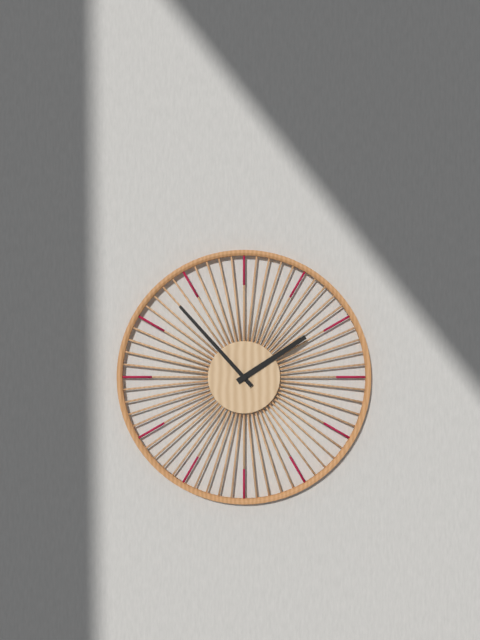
1:53
